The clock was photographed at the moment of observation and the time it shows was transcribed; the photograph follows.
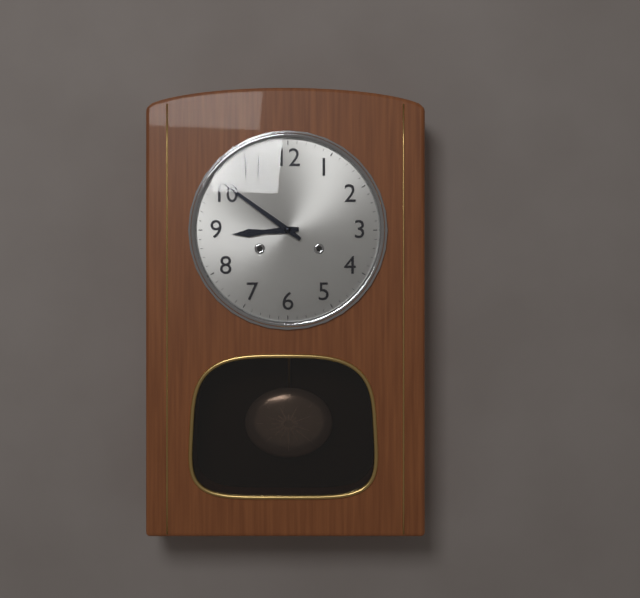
8:51
